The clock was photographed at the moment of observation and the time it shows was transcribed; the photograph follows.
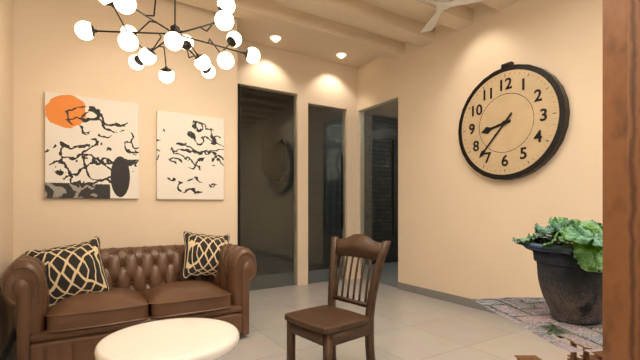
8:37
